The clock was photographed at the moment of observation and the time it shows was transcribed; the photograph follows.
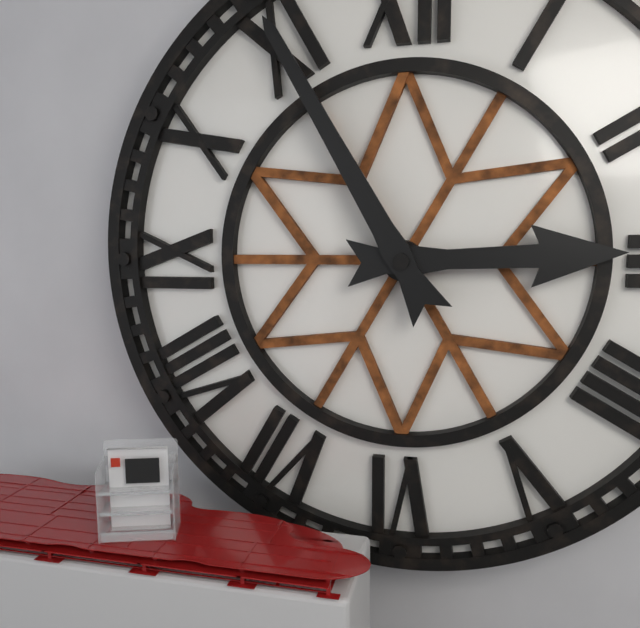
2:55
